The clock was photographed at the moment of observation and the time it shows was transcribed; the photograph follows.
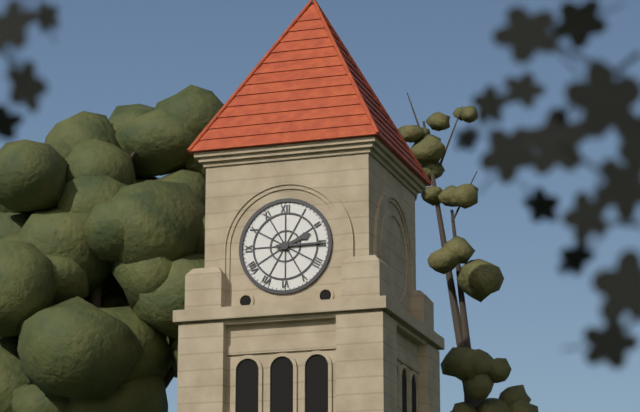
2:15
